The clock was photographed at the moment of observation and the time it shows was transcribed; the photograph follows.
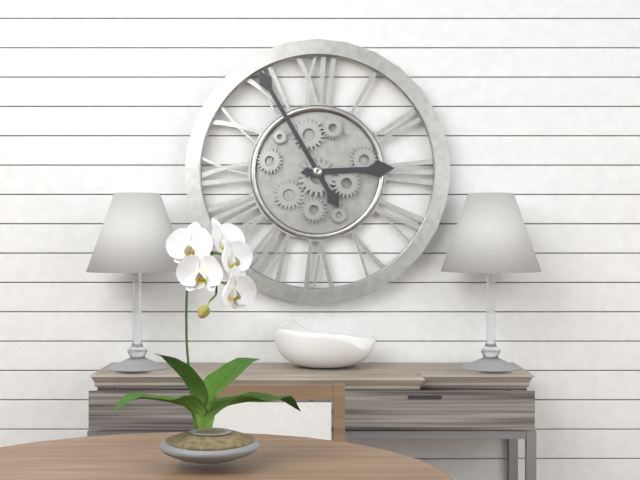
2:55
